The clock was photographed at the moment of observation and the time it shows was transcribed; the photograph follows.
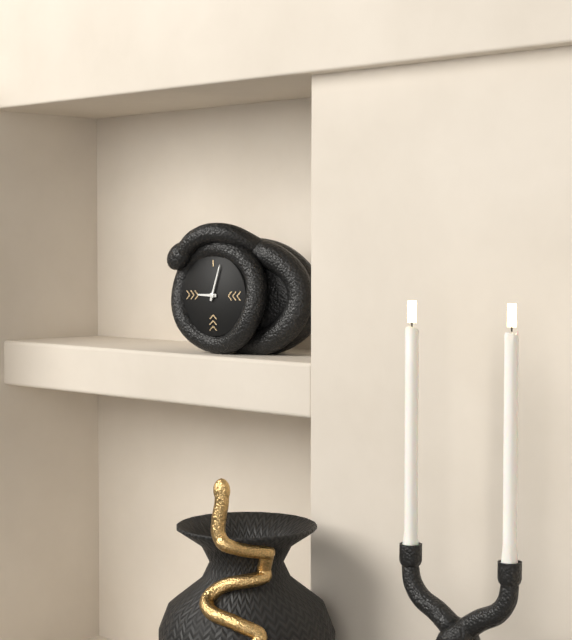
9:03
